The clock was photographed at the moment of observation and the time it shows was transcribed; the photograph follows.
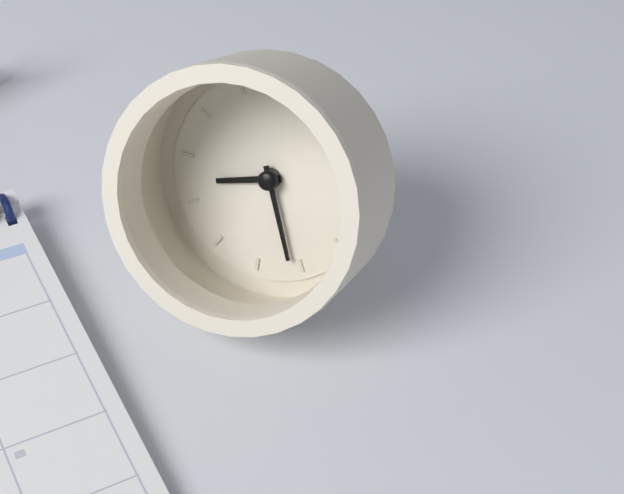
8:26
